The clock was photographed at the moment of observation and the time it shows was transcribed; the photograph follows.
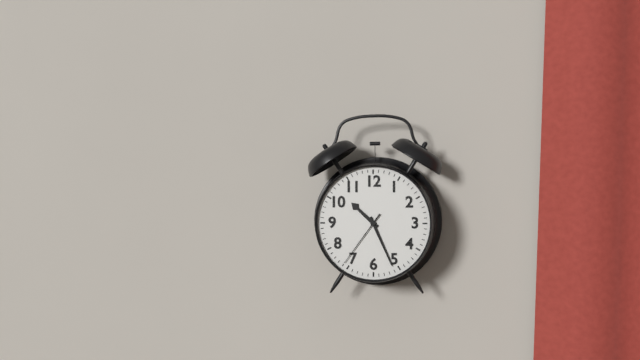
10:26:36
